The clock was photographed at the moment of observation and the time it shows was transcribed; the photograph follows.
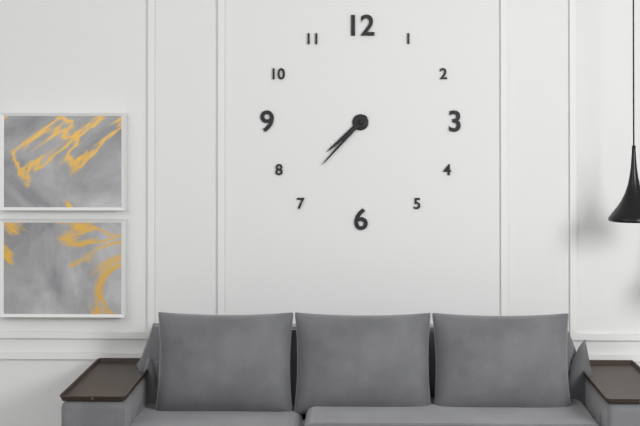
7:37
